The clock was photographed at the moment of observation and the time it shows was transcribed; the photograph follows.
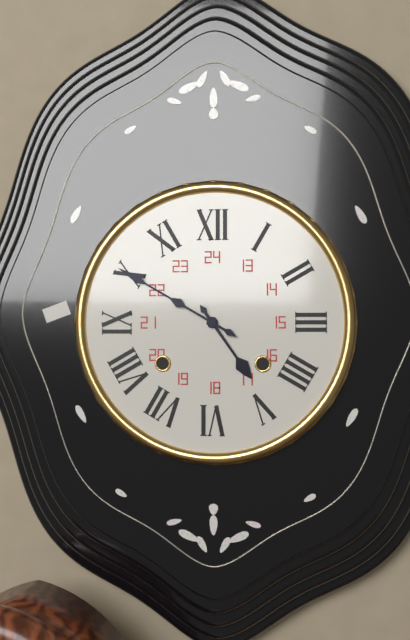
4:50
